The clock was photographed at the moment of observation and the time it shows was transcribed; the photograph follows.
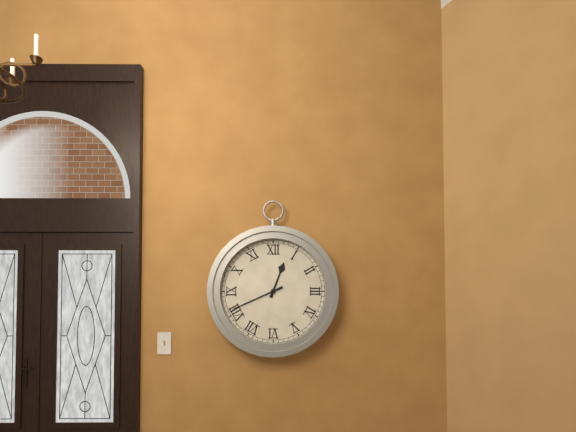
12:41
